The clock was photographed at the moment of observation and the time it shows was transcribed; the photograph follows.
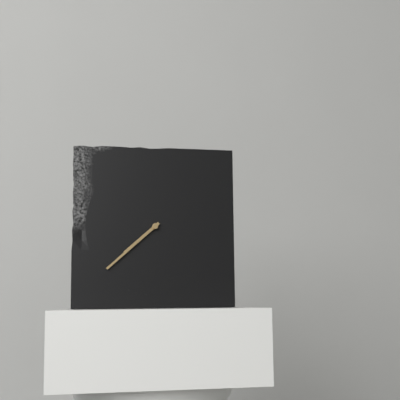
7:38
